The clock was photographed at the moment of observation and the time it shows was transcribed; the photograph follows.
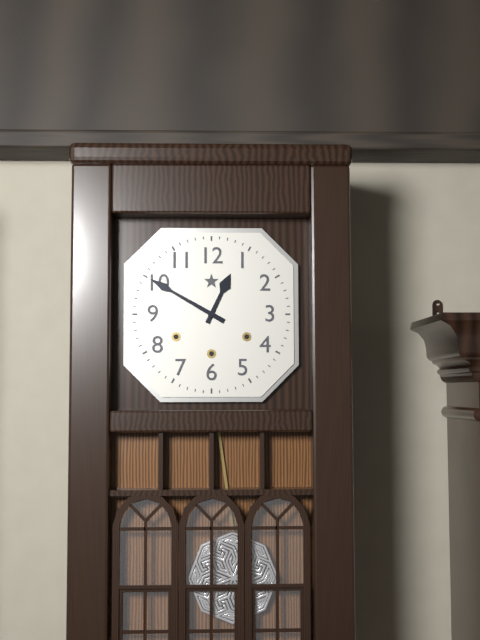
12:50
